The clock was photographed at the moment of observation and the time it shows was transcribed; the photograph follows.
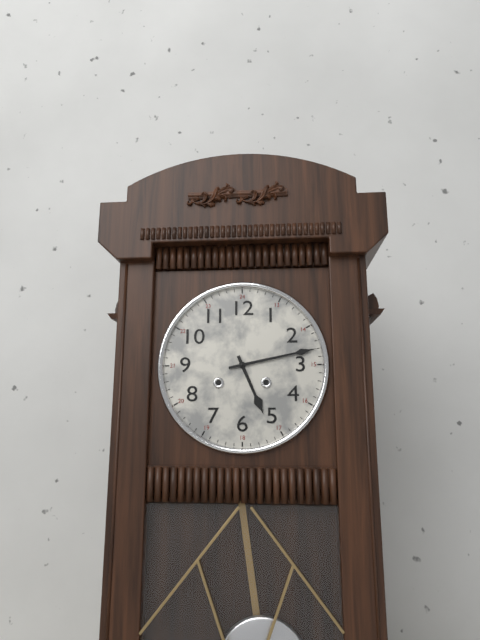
5:13
